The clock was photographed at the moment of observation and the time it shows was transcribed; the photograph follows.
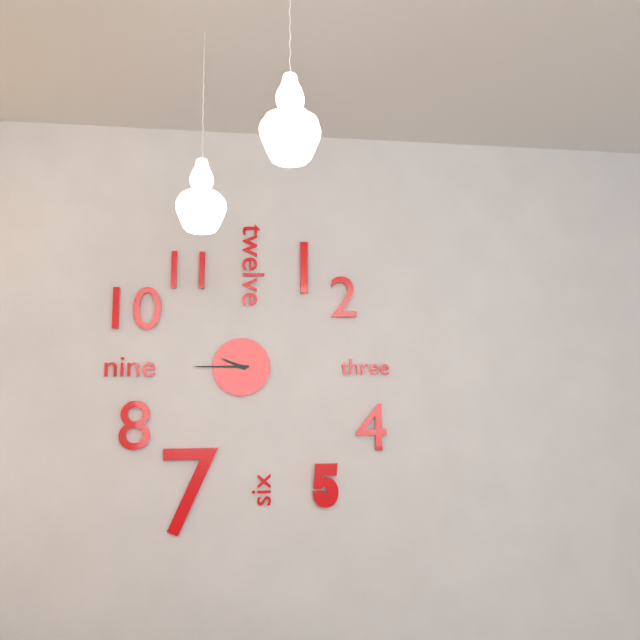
9:45
